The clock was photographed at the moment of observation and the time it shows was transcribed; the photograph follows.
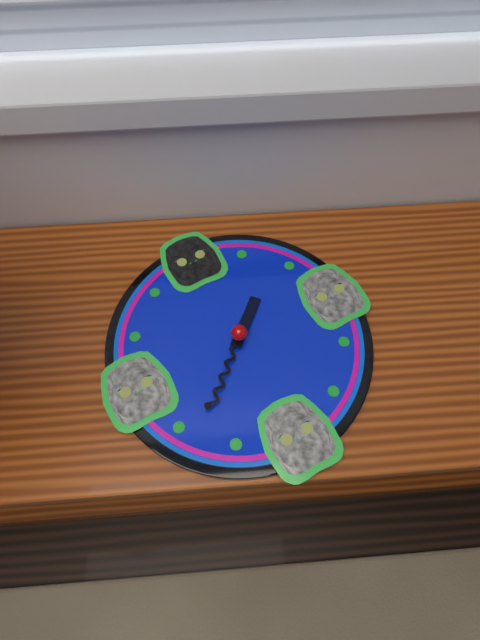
1:38
